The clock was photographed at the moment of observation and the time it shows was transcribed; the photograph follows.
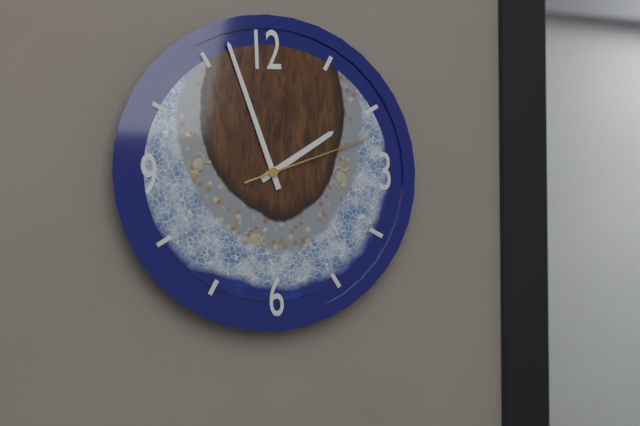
1:57:12
